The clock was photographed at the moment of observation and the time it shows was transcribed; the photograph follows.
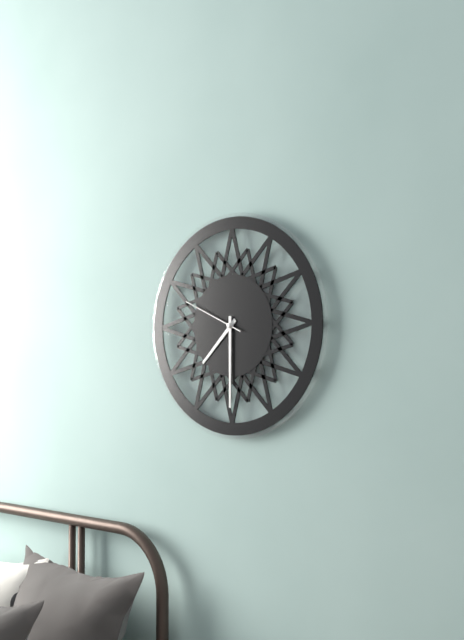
7:30:49
